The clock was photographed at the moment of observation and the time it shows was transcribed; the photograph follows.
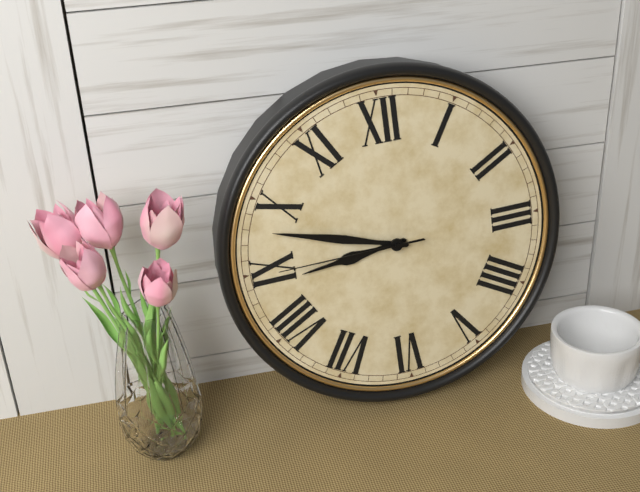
8:48:45
